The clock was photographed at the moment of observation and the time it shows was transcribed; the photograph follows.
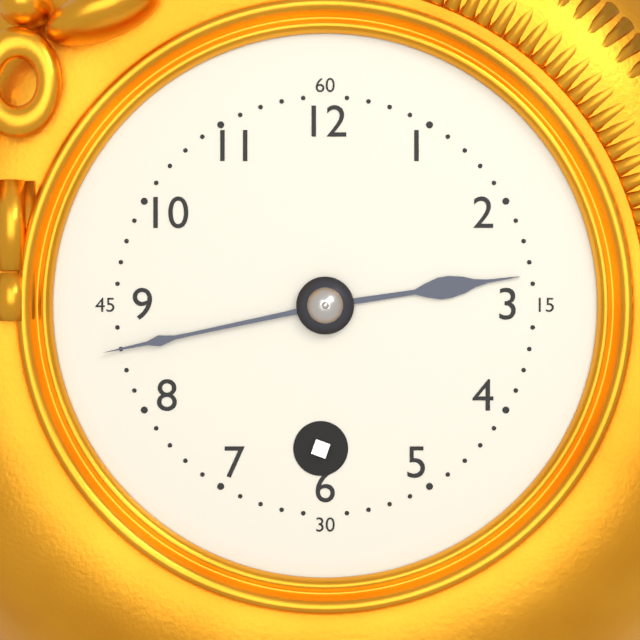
2:43
